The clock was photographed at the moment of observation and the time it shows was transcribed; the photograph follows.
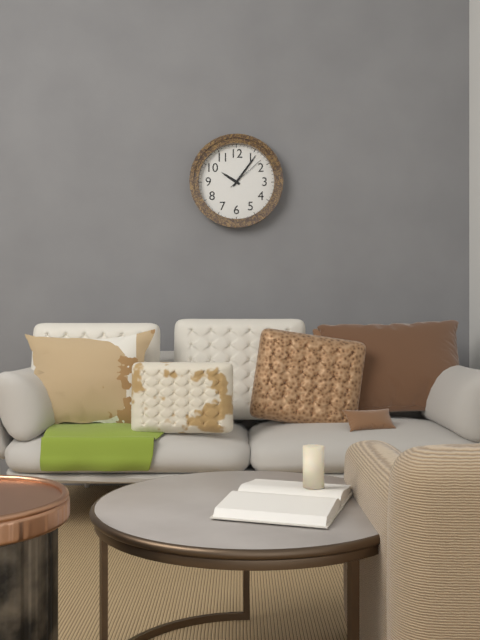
10:06
